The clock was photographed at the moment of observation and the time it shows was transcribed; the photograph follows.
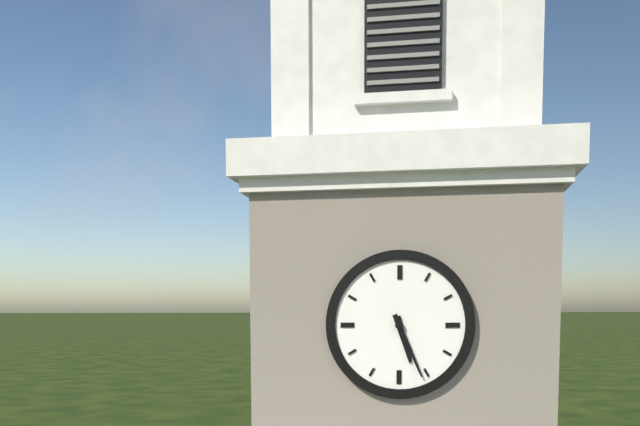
5:26
